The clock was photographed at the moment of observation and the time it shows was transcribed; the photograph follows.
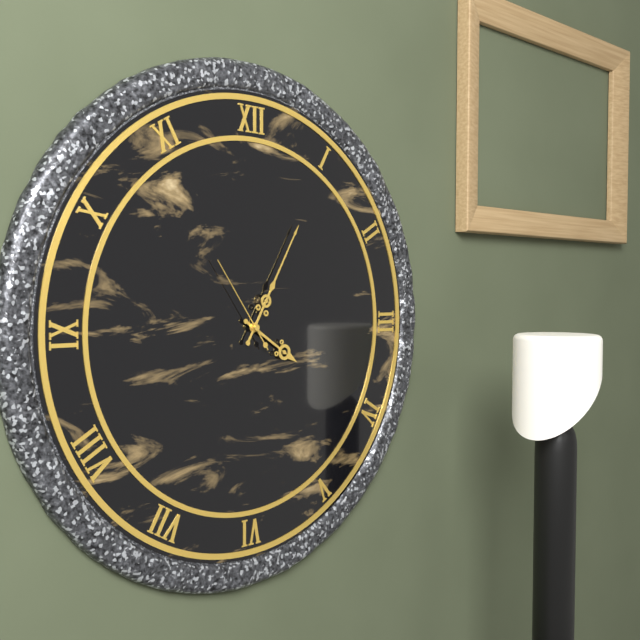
4:05:54
